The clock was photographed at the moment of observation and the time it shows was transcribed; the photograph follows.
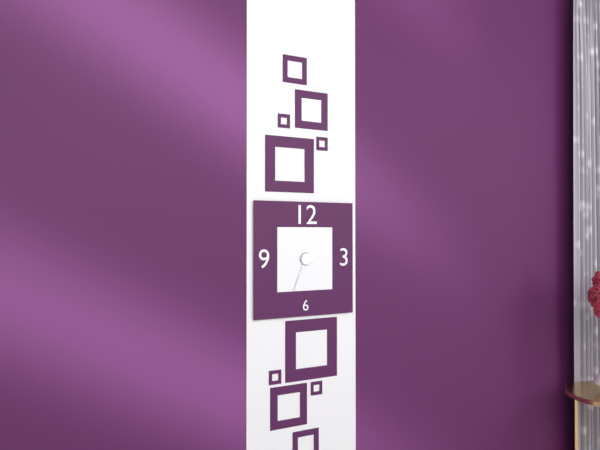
2:34
